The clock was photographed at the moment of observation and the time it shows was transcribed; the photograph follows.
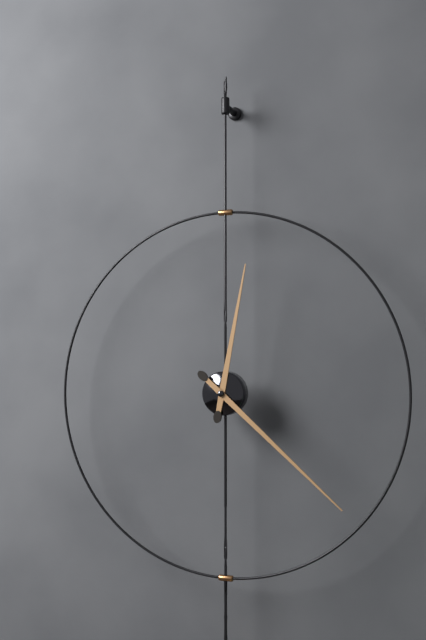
12:22
